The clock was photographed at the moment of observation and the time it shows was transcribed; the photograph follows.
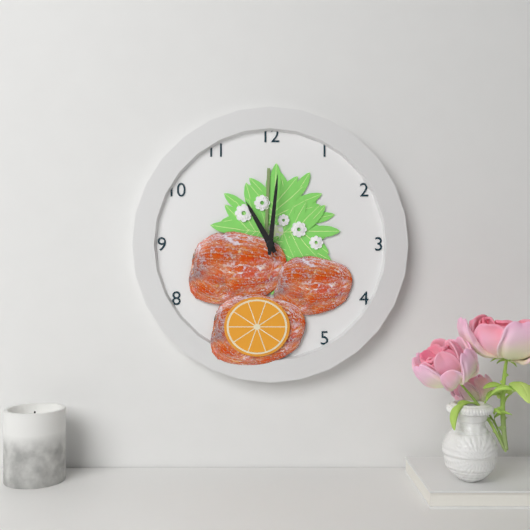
11:01
